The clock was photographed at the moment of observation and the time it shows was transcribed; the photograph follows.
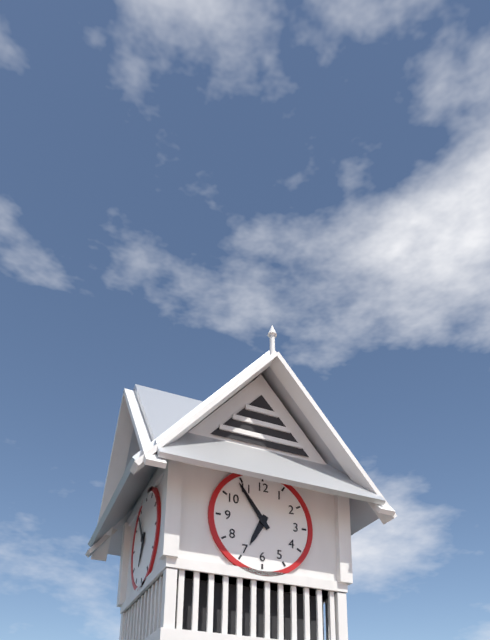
6:54
